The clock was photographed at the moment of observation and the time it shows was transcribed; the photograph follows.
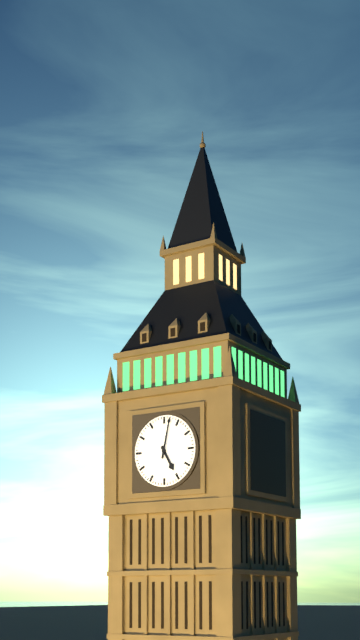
5:02
